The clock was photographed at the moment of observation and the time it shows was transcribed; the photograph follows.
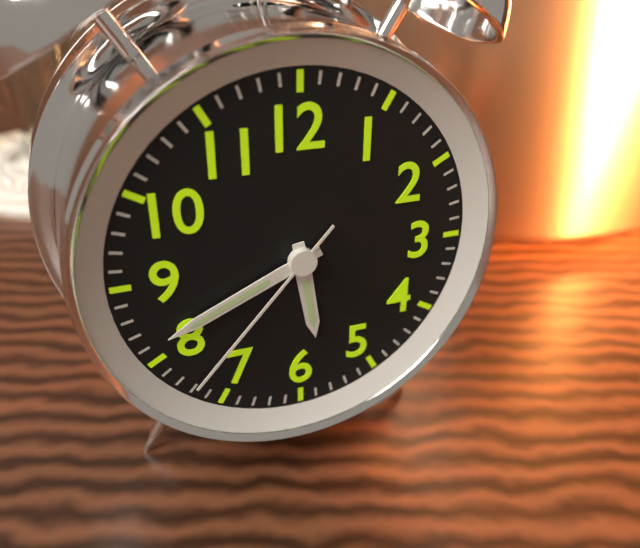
5:41:37
